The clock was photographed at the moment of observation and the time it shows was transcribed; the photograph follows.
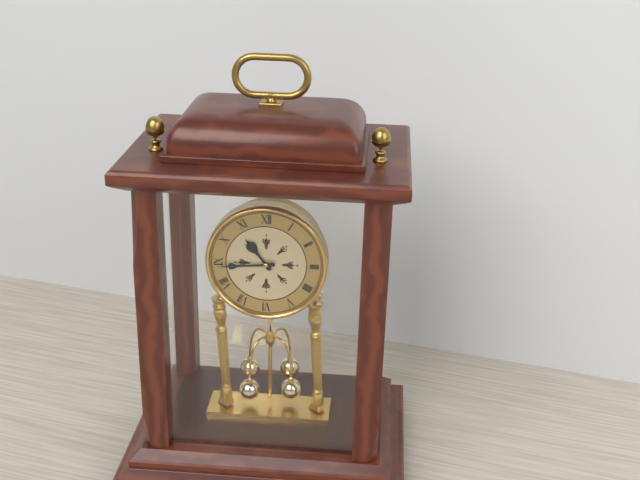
10:44
